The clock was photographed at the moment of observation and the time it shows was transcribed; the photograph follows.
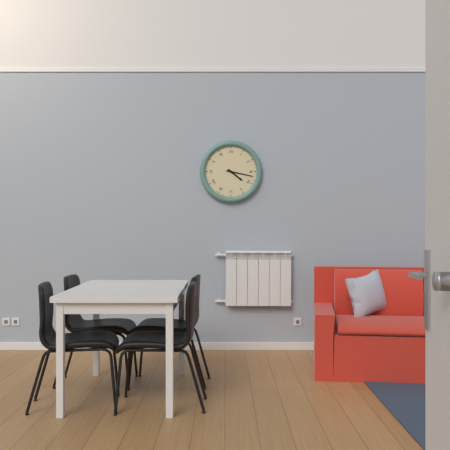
4:17
